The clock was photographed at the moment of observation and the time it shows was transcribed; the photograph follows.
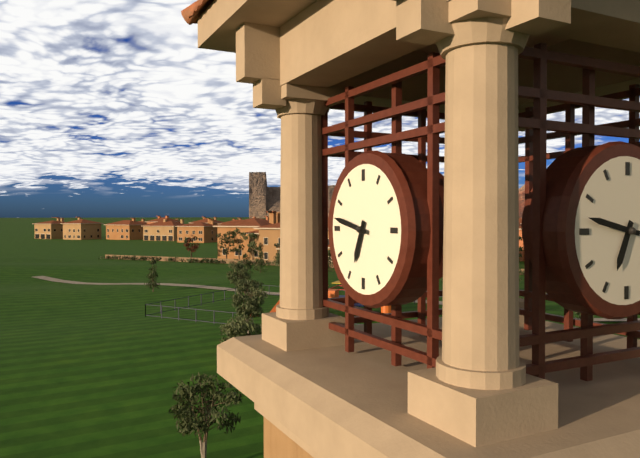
6:47
